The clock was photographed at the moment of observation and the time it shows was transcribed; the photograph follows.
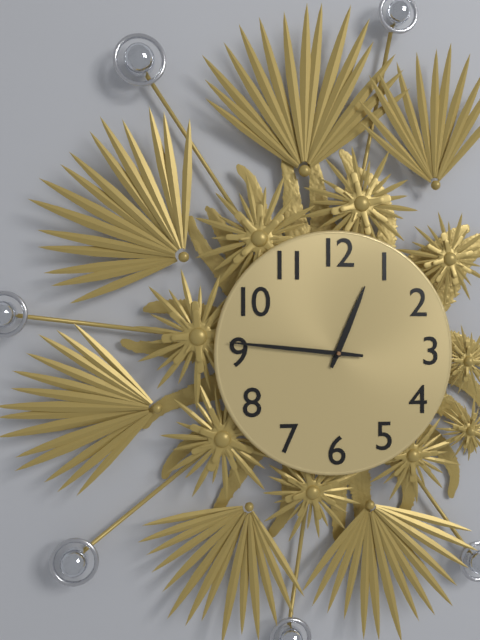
12:46
